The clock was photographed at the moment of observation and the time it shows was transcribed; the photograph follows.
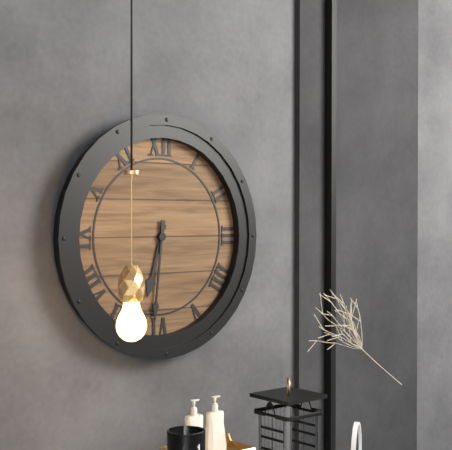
6:31
